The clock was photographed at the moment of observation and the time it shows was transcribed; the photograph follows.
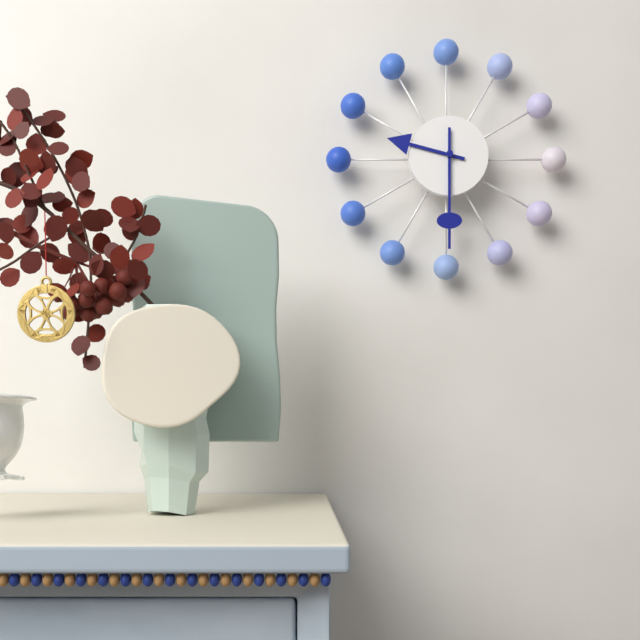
9:30
